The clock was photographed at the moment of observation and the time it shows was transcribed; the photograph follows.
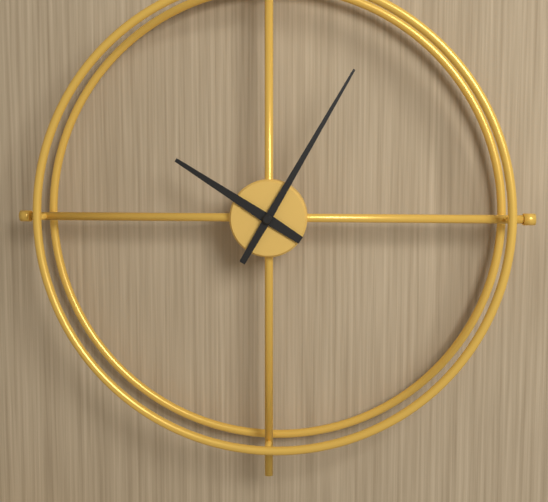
10:05
